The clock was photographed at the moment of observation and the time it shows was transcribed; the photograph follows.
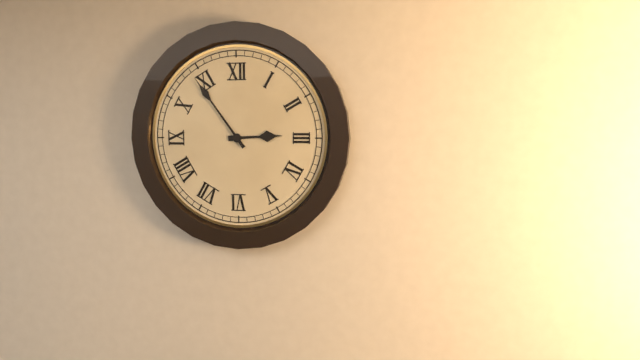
2:54
